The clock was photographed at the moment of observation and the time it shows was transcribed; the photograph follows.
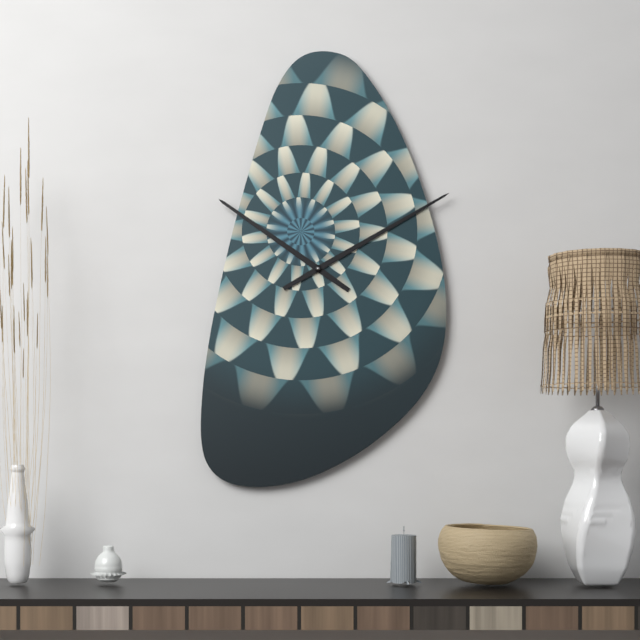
10:10
